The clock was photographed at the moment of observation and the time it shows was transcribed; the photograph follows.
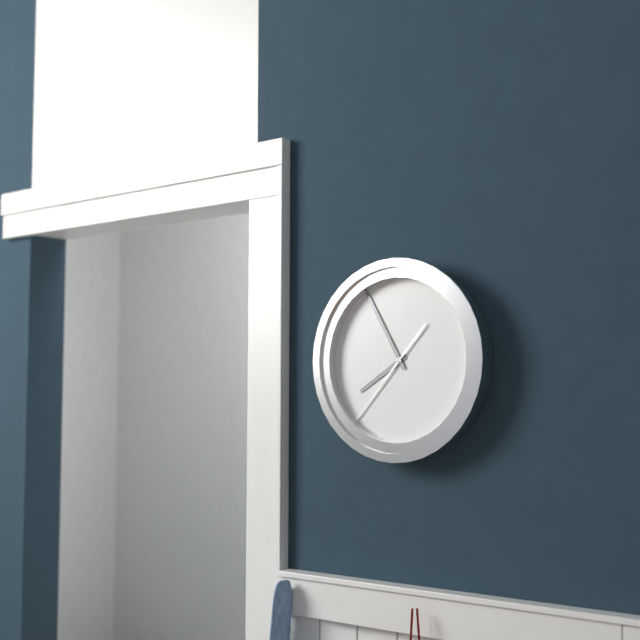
7:55:37
